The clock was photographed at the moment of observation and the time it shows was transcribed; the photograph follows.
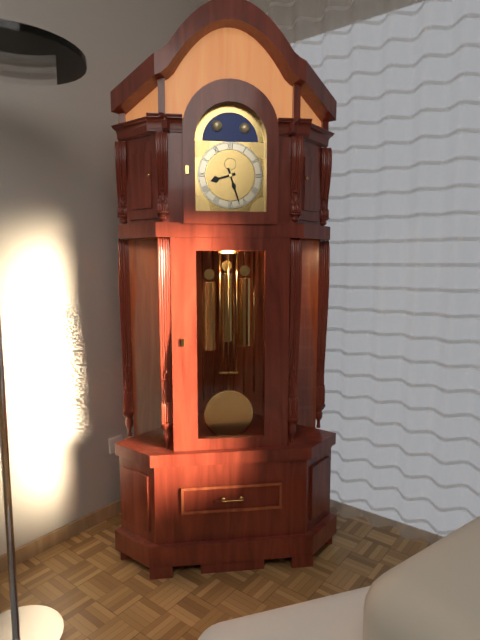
8:27
